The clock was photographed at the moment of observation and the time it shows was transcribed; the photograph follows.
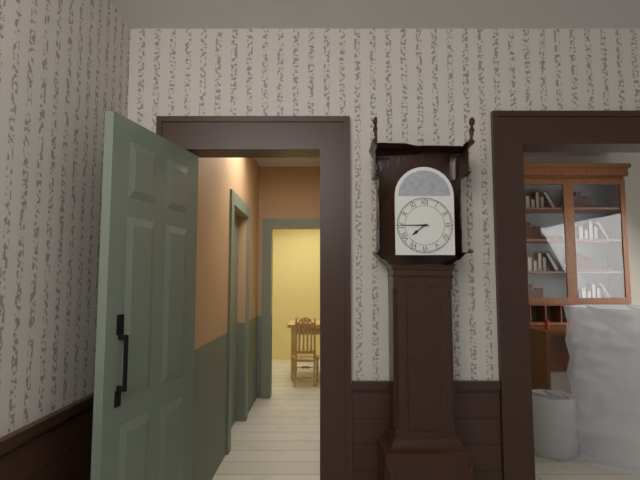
7:45
